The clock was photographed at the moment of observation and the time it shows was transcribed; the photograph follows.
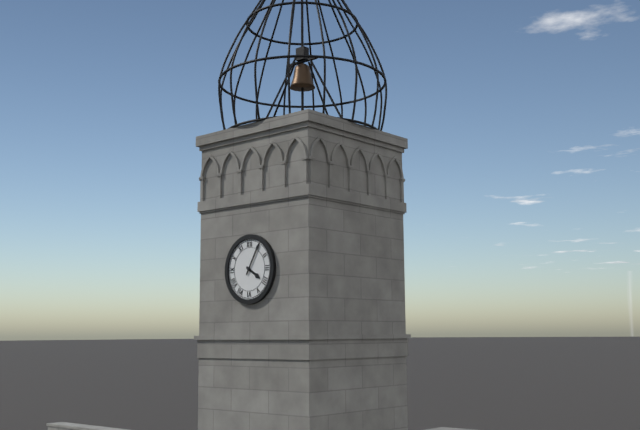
4:05
